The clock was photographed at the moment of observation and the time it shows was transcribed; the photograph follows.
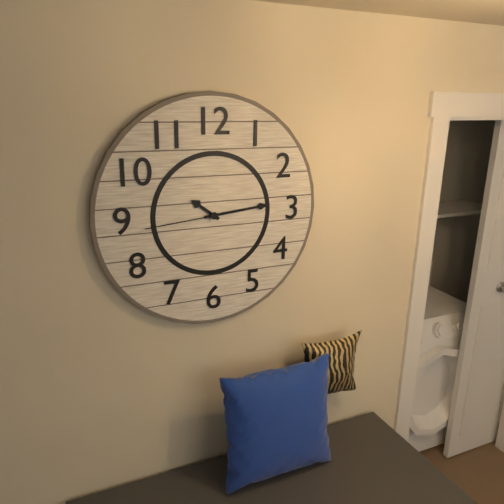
10:14:44
